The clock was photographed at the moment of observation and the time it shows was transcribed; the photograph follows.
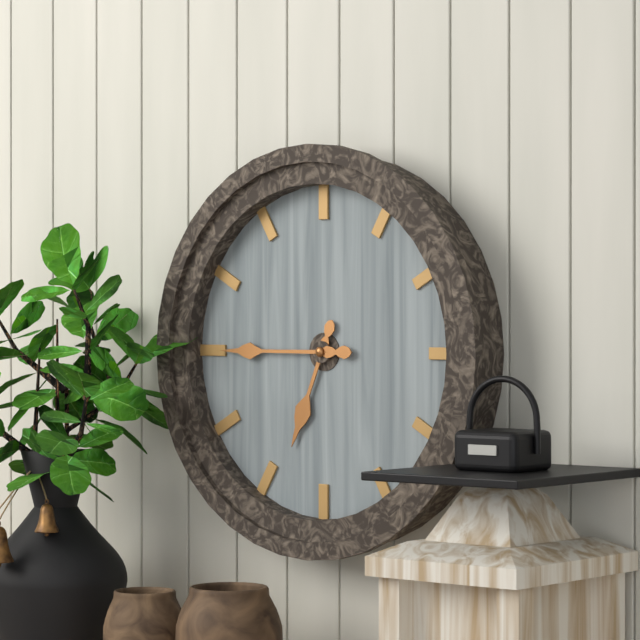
6:45
